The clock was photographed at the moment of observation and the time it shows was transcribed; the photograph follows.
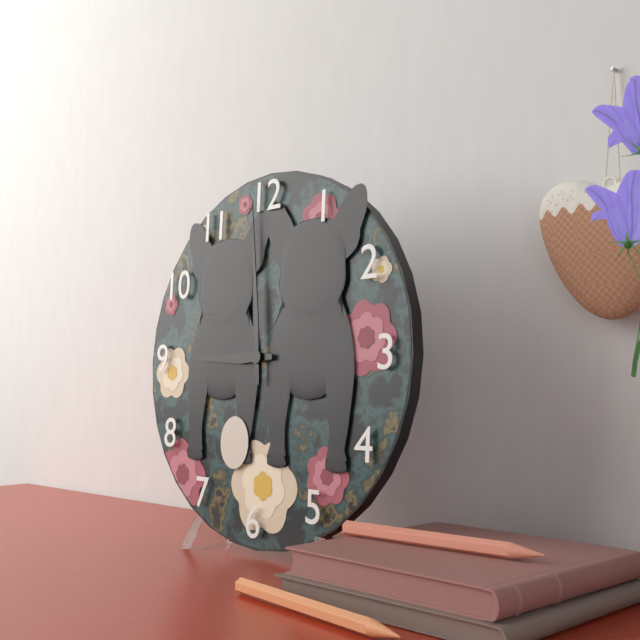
8:59
